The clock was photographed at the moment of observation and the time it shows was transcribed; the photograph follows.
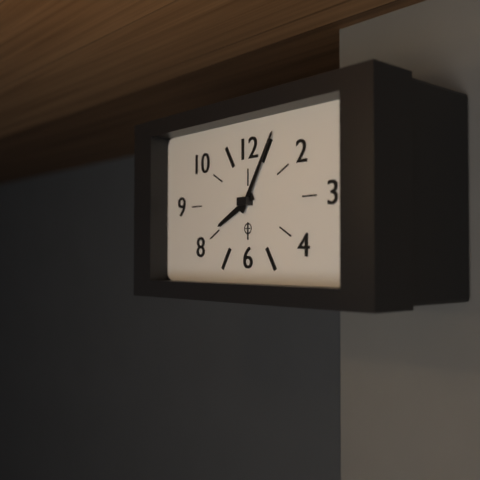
8:05
